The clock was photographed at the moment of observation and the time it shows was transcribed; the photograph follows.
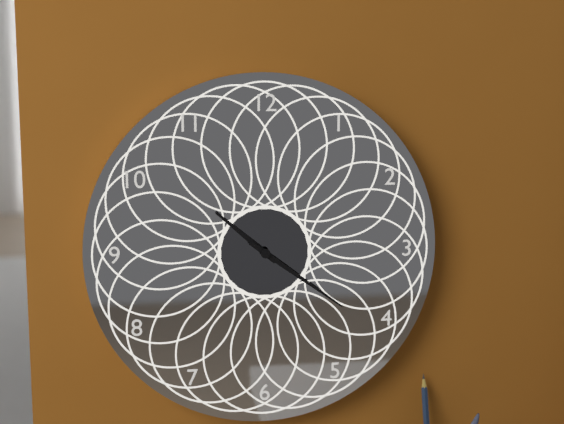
10:21
